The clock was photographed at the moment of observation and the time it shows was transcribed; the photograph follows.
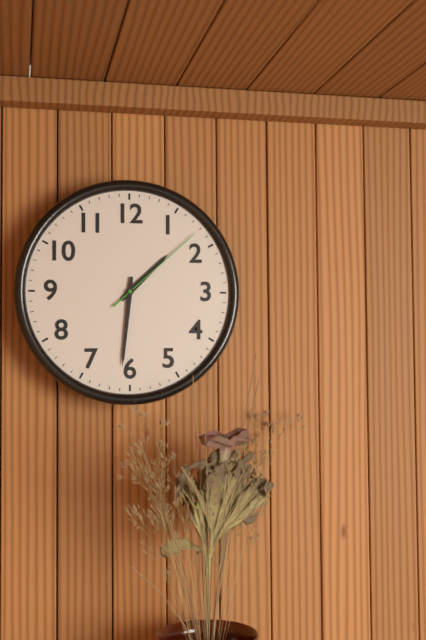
1:31:08
